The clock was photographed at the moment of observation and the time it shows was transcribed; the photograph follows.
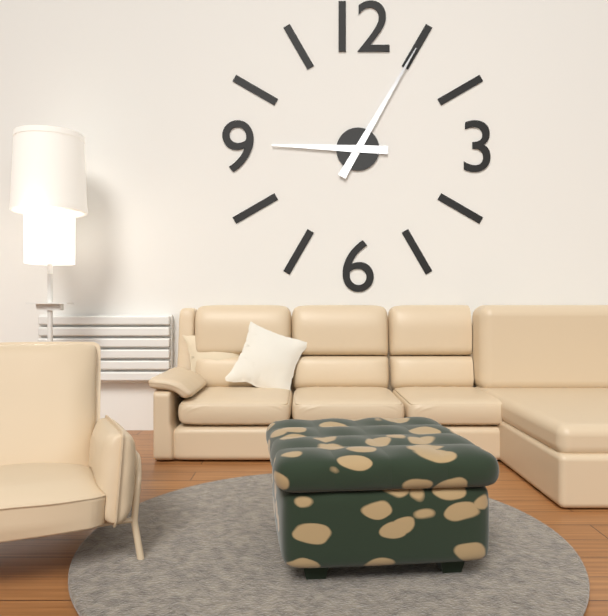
9:05
